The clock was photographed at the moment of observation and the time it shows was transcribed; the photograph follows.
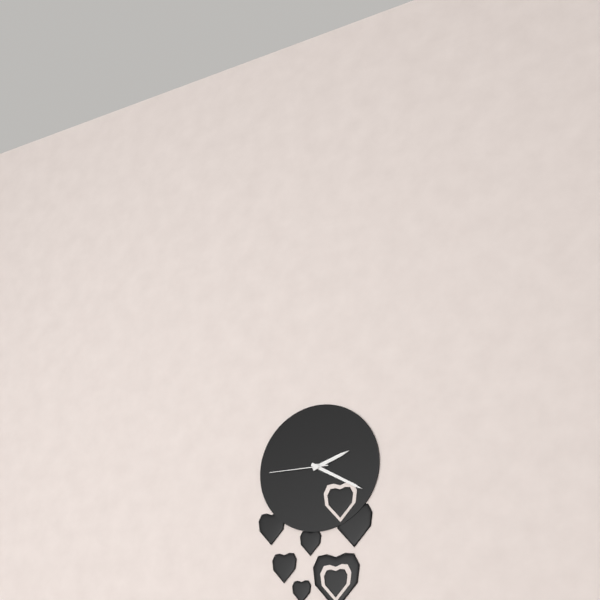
2:20:45
